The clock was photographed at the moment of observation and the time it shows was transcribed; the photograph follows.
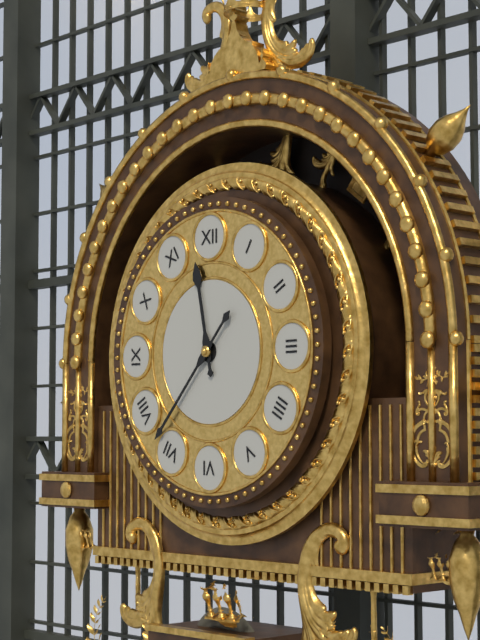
11:37
